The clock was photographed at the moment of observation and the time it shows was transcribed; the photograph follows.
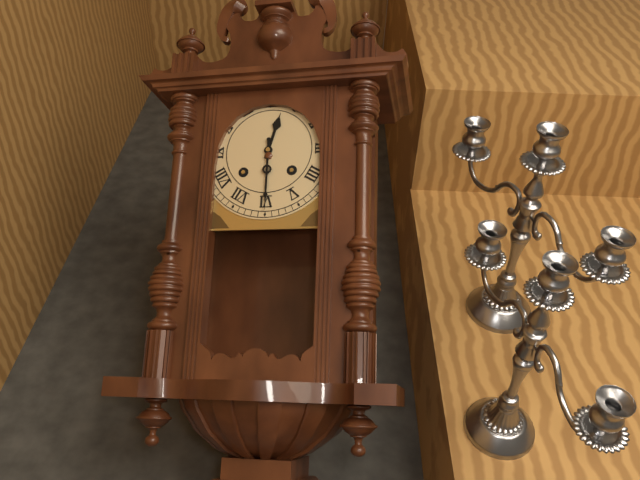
12:30
